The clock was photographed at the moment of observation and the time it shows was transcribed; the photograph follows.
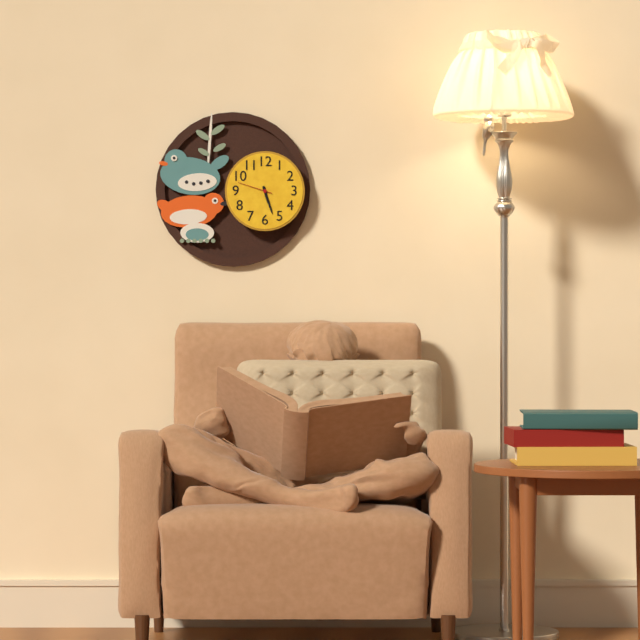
5:27
